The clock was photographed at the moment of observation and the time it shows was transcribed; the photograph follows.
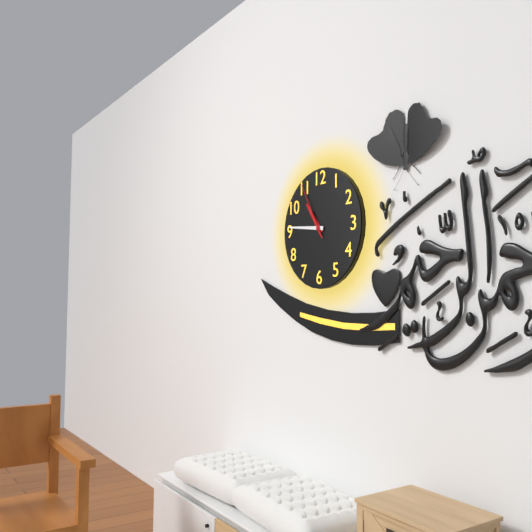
10:46:55
